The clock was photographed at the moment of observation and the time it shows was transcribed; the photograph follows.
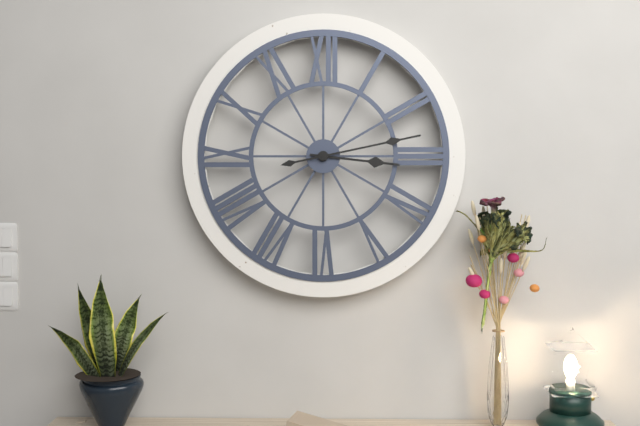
3:13
